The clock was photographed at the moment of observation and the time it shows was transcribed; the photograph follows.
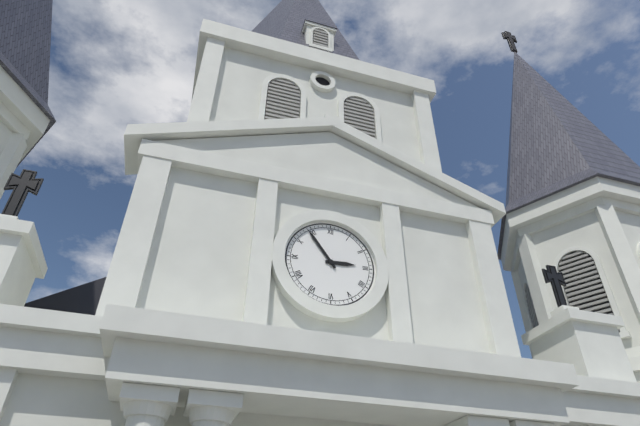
2:54
